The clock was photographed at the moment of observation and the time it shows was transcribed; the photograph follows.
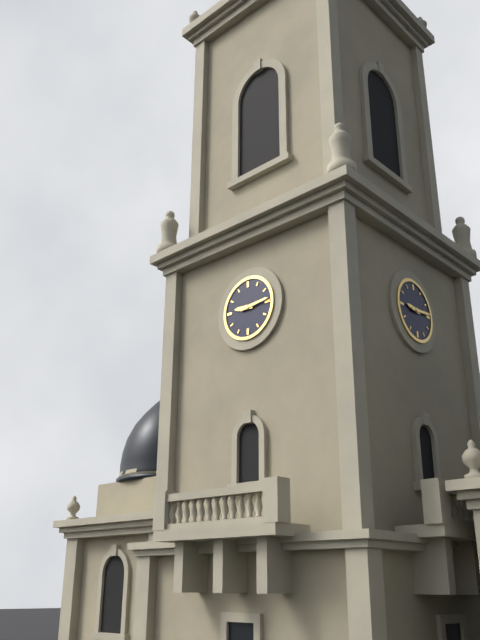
9:14
